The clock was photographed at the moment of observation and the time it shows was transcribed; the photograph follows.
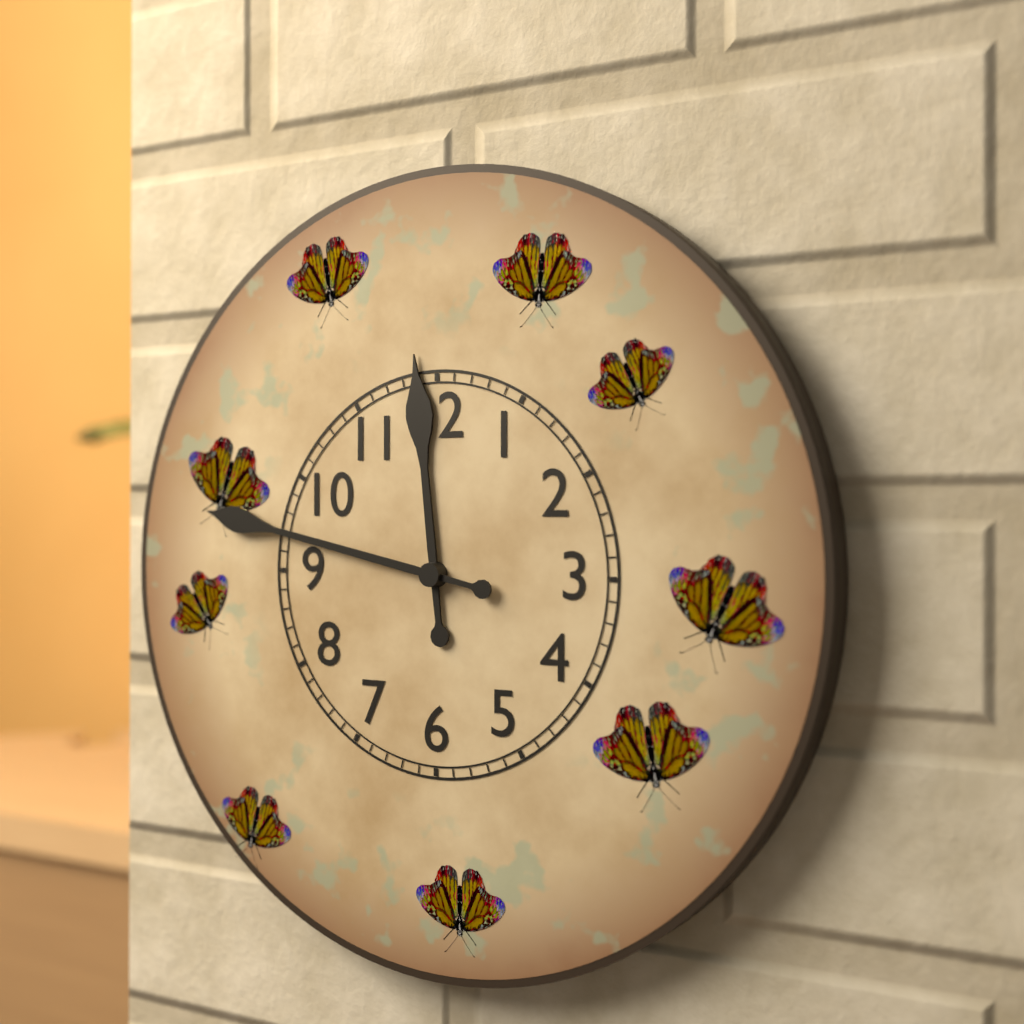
11:47
